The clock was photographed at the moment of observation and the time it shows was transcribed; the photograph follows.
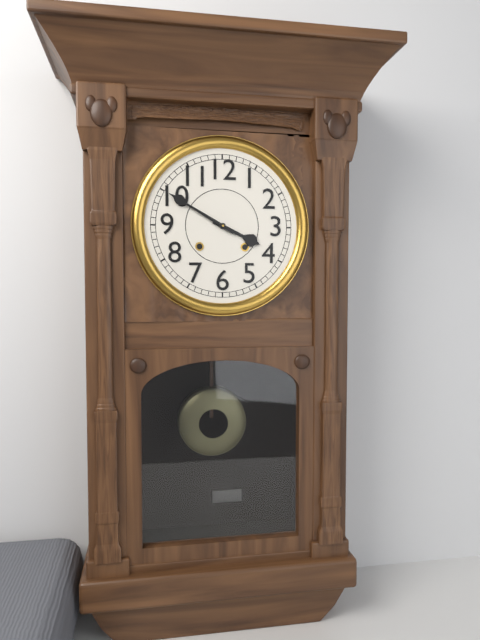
3:50
